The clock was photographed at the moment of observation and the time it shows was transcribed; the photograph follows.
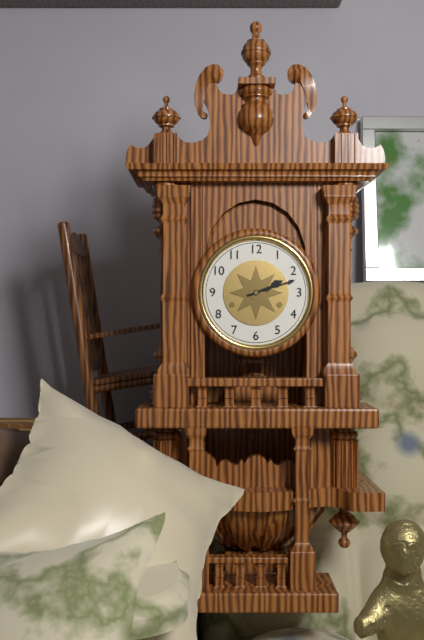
2:12
